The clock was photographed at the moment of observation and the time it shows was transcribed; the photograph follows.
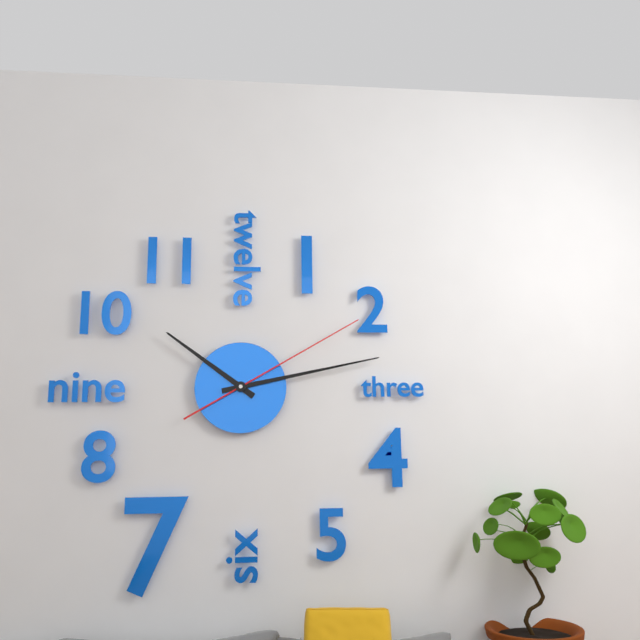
10:13:10
